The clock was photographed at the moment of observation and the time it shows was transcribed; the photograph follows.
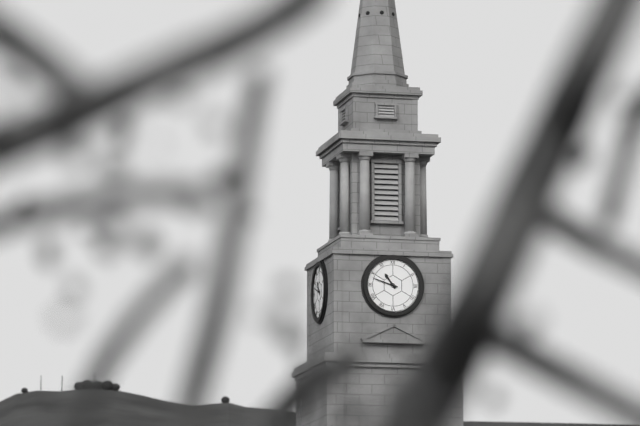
10:48
